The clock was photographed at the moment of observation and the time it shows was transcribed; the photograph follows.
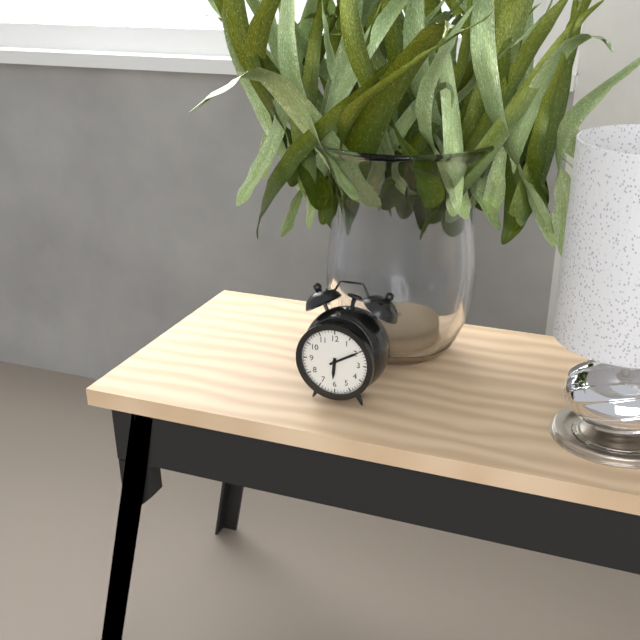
6:10
